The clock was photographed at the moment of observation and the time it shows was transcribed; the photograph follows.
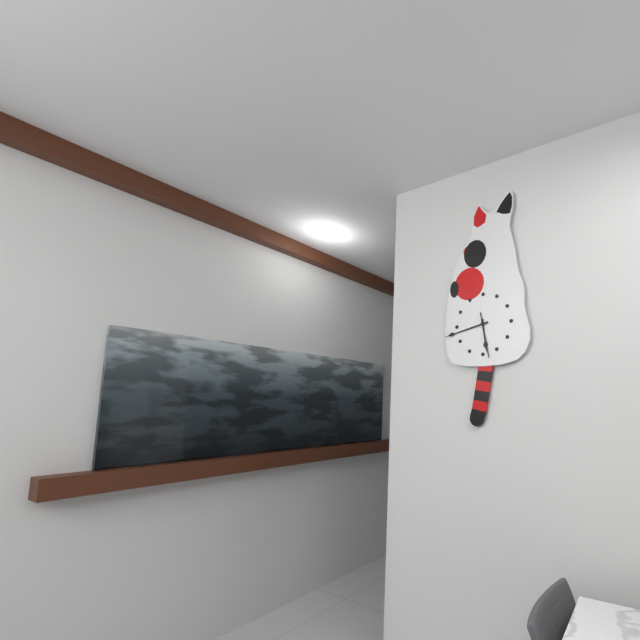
5:43
